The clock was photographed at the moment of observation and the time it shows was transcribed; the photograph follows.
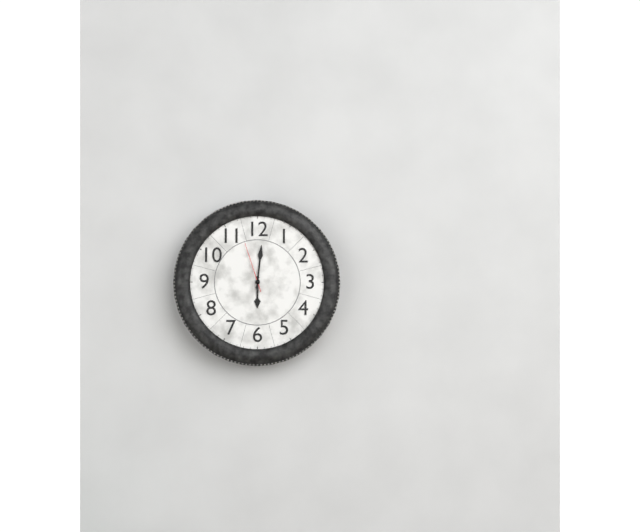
6:01:57
